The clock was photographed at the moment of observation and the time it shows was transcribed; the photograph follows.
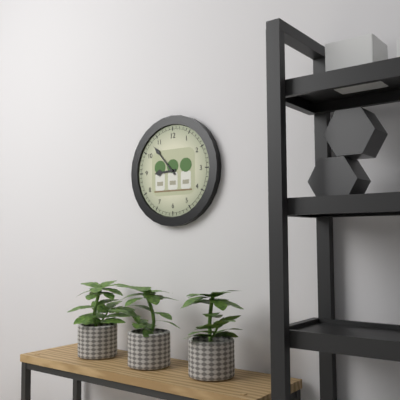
8:53
